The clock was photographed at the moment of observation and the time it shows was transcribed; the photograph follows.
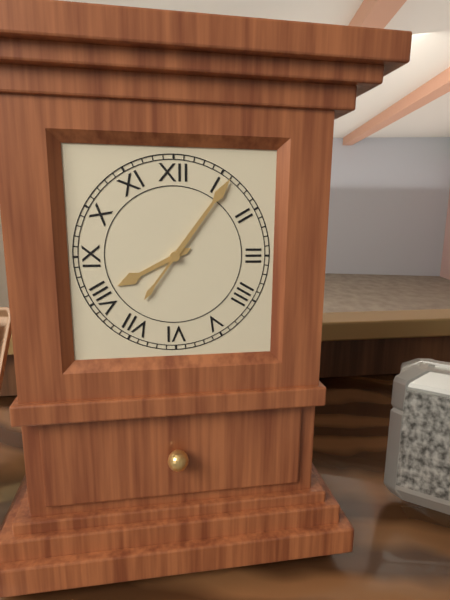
8:06
